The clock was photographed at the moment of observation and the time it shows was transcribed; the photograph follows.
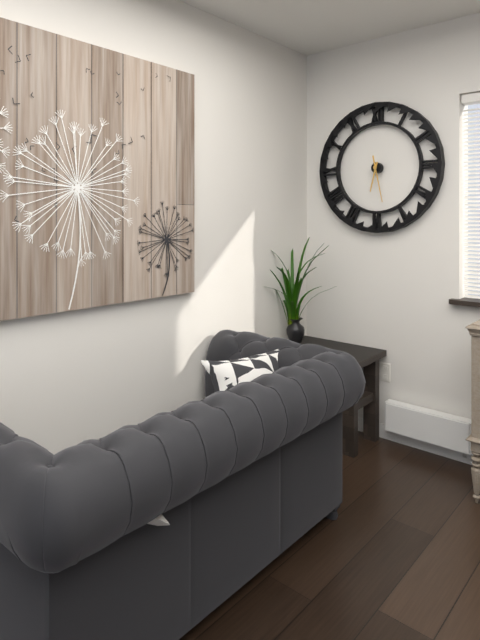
6:28
